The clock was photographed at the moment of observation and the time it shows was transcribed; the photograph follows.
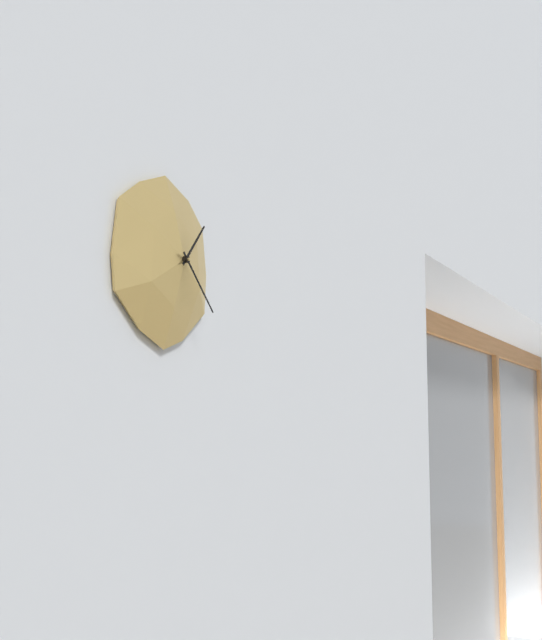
1:22
